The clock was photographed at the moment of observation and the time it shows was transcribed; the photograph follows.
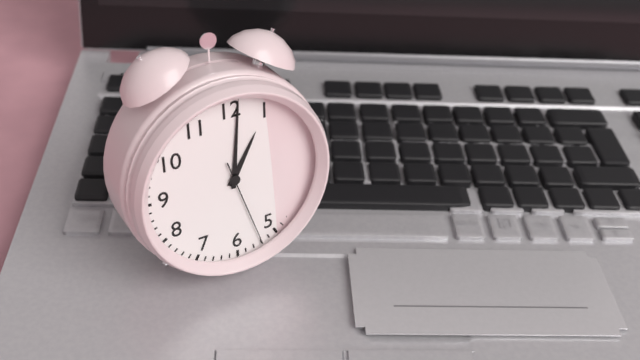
1:01:27
